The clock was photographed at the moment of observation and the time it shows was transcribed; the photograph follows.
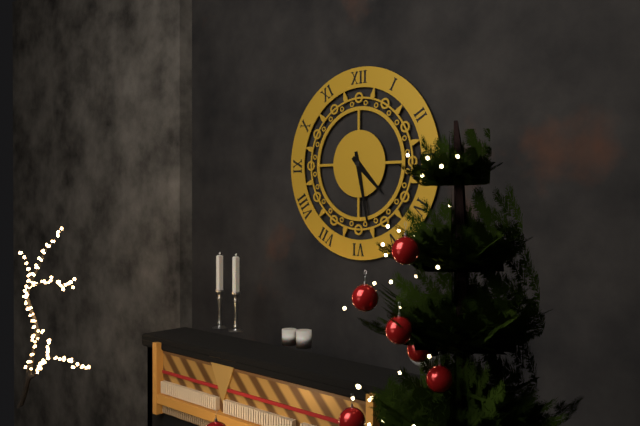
4:28
